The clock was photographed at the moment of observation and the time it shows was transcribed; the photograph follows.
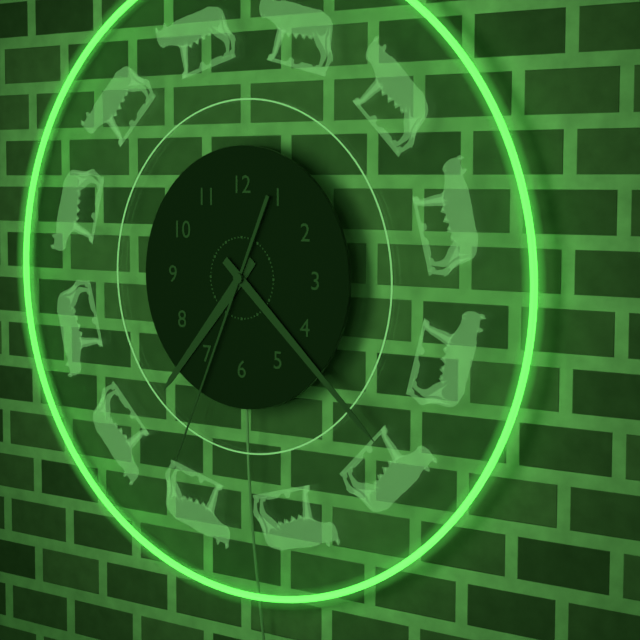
7:22:34
